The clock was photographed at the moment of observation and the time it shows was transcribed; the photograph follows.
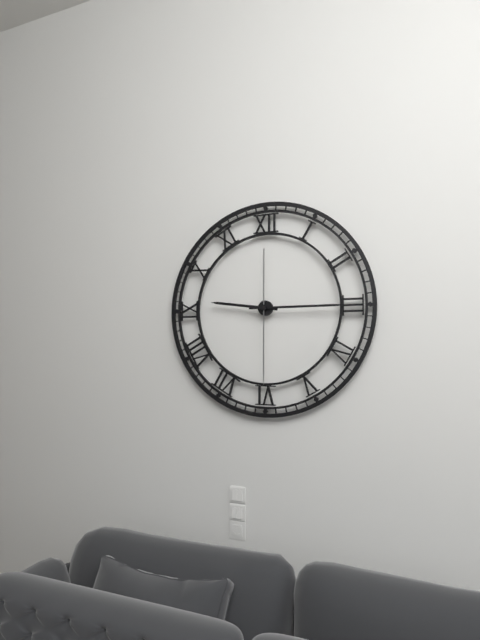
9:15:30
